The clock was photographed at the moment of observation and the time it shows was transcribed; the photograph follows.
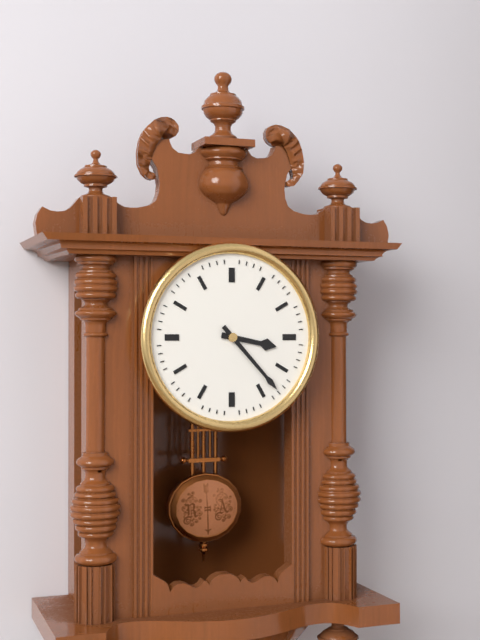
3:23
